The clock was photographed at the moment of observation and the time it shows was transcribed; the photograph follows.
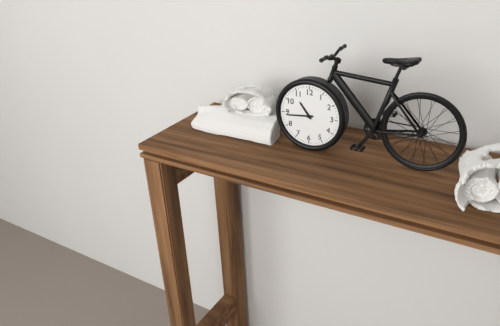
10:44
